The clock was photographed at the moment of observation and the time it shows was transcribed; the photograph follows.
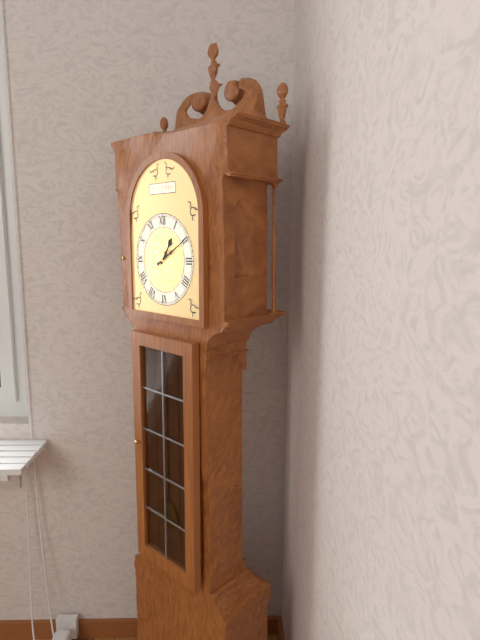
1:10
